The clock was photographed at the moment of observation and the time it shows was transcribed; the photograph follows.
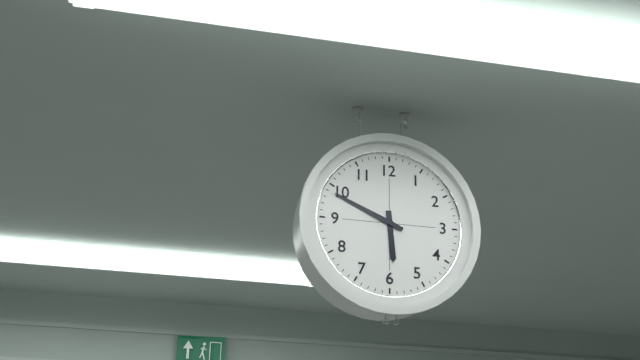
5:49
